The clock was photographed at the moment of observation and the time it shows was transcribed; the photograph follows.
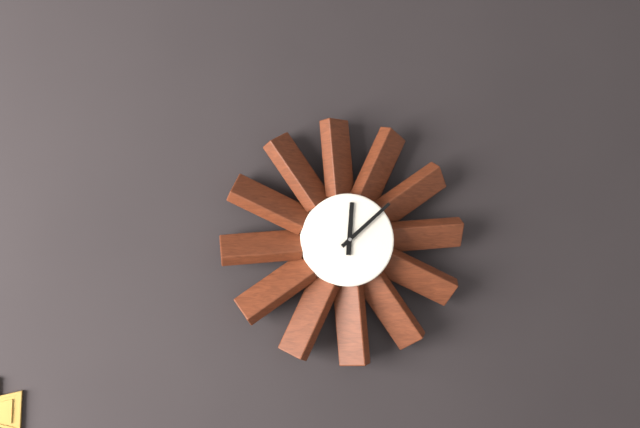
12:08
